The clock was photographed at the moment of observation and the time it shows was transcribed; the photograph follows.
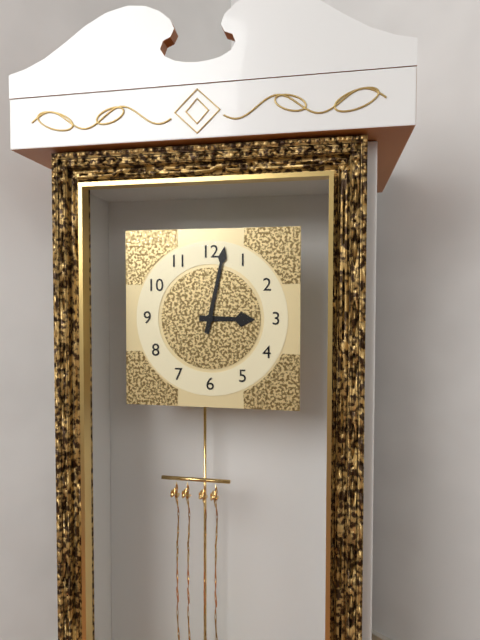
3:02
